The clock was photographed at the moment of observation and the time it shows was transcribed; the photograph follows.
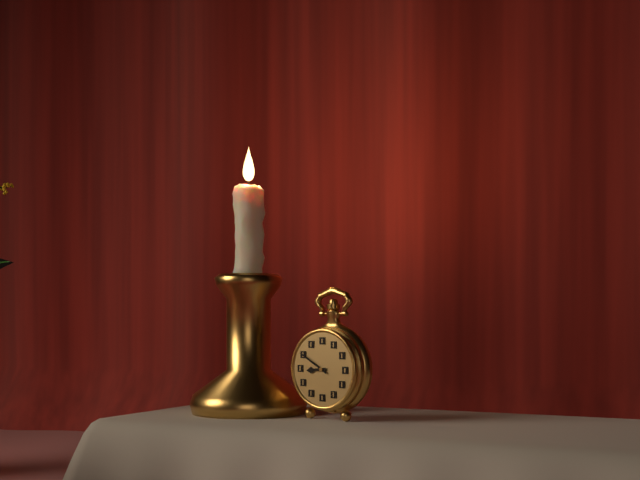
8:50
